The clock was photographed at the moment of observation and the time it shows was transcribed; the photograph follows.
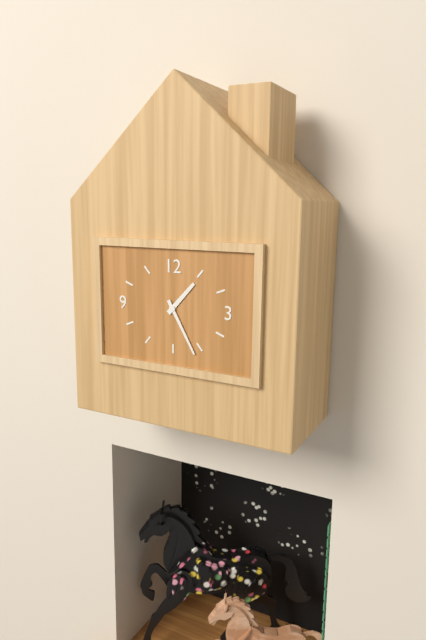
1:25
